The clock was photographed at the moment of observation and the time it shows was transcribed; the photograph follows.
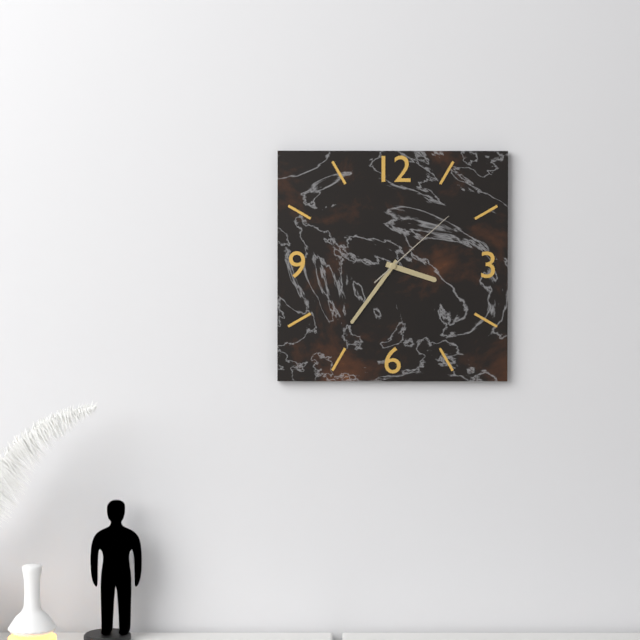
3:36:08
